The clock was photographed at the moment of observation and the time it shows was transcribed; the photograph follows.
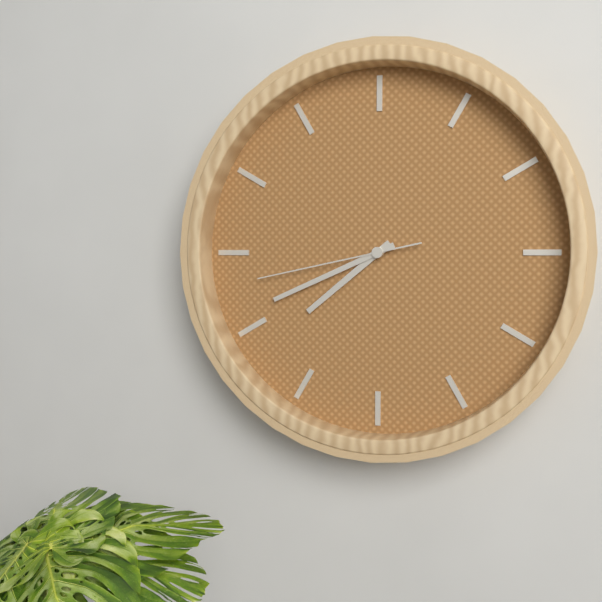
7:41:43
